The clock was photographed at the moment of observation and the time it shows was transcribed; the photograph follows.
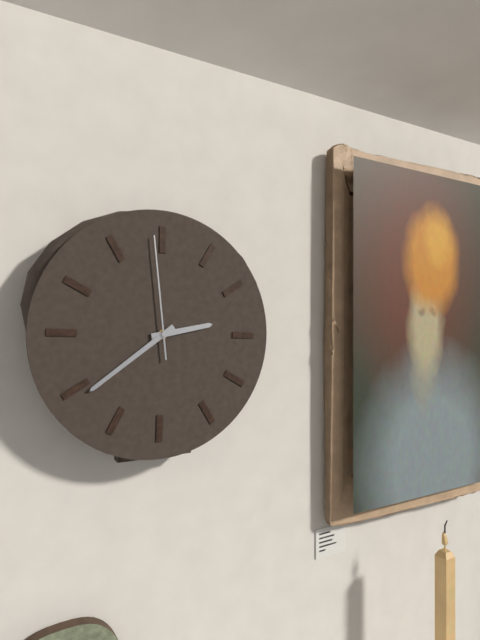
2:39:59
